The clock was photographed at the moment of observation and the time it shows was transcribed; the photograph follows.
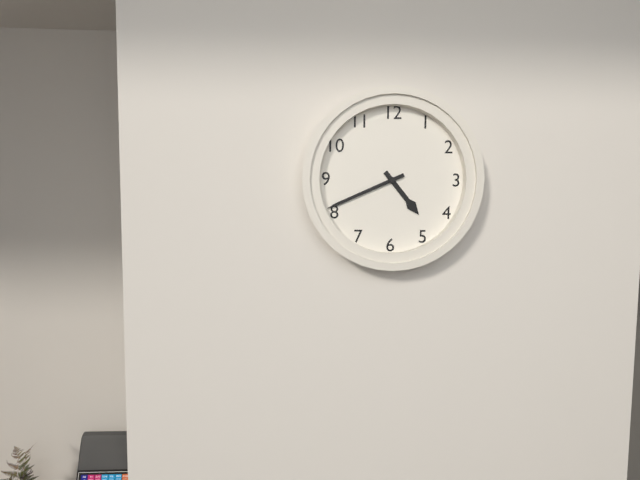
4:41
